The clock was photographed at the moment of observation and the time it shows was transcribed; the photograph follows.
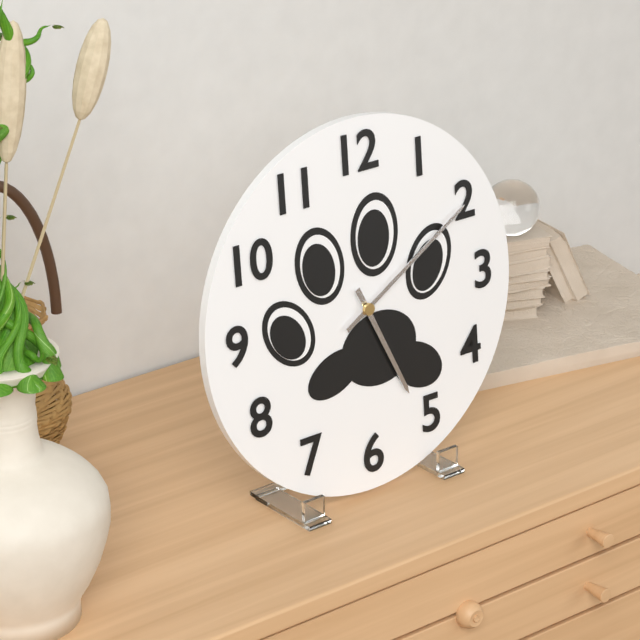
5:10
